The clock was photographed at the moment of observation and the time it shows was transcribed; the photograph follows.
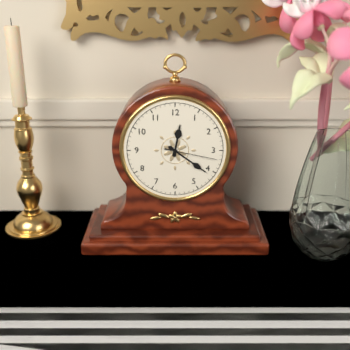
12:21:17
